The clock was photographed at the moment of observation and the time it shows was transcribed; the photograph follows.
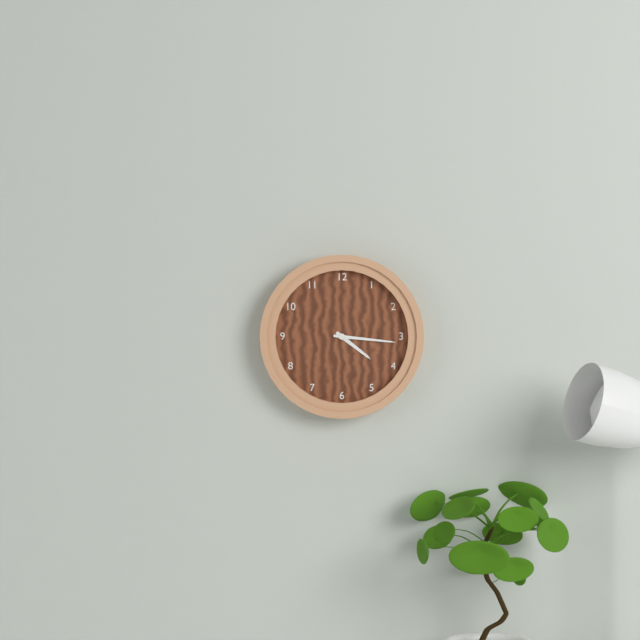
4:16
